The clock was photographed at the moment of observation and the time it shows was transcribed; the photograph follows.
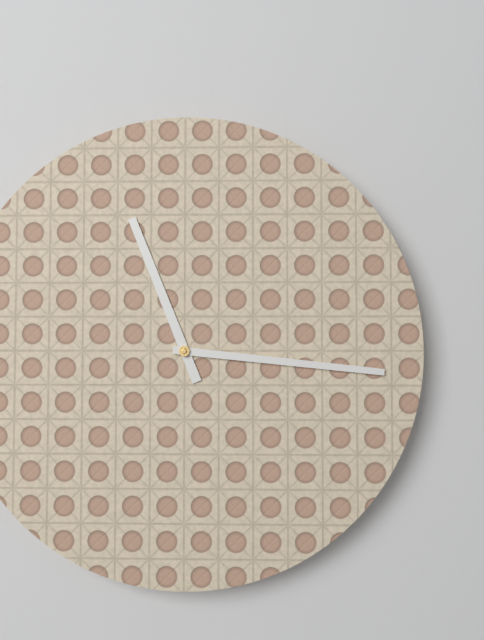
11:16
